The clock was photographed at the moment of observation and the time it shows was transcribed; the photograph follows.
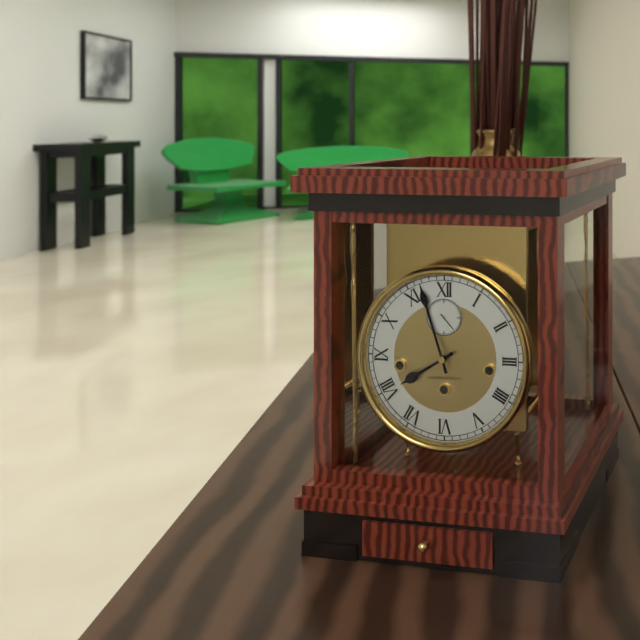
7:57
